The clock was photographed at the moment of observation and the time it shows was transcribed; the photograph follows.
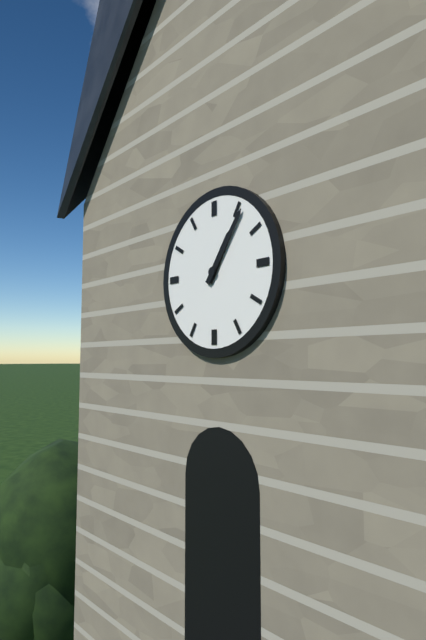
1:06
